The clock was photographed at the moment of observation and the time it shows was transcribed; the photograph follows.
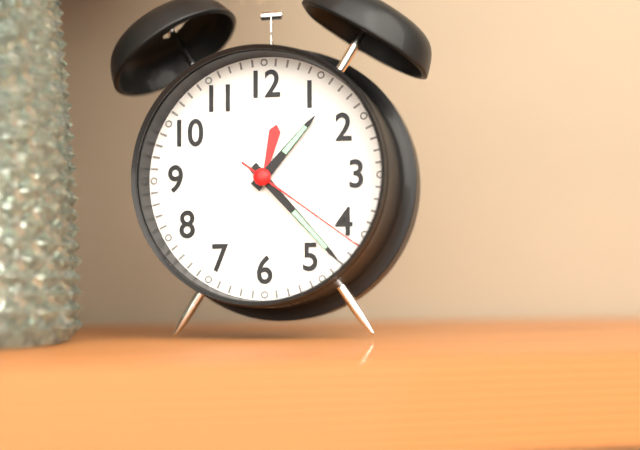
1:23:21
